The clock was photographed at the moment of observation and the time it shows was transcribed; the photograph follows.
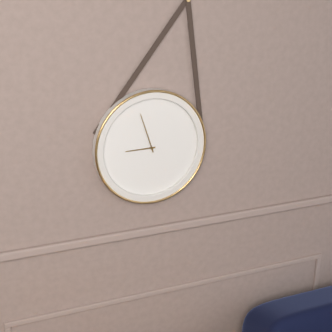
8:57
